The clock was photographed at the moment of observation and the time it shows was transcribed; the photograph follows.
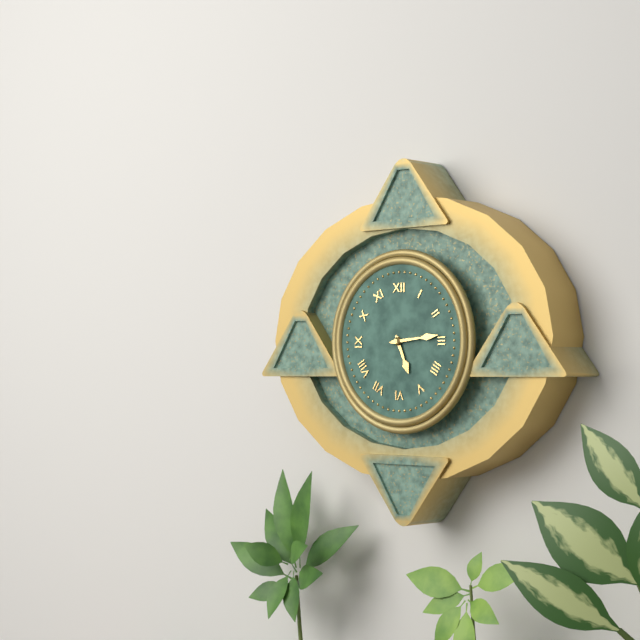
5:14
